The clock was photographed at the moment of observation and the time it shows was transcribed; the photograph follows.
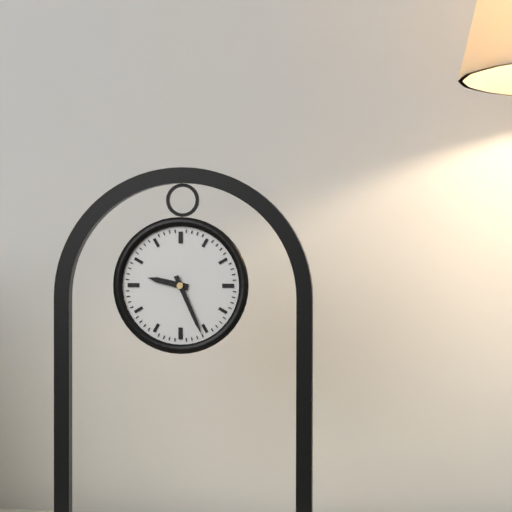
9:26
